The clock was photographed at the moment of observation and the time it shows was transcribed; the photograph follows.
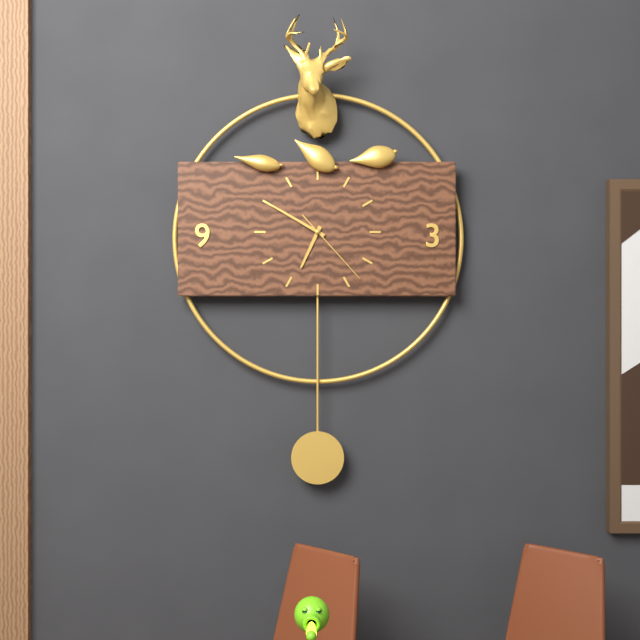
6:50:23
